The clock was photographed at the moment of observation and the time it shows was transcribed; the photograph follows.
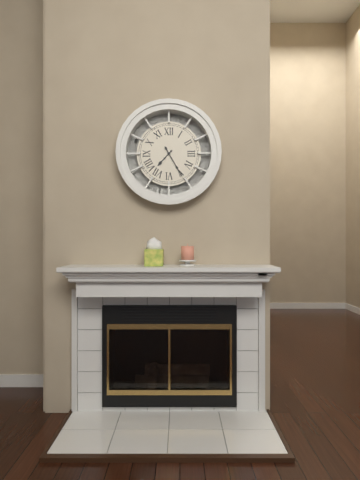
7:25
